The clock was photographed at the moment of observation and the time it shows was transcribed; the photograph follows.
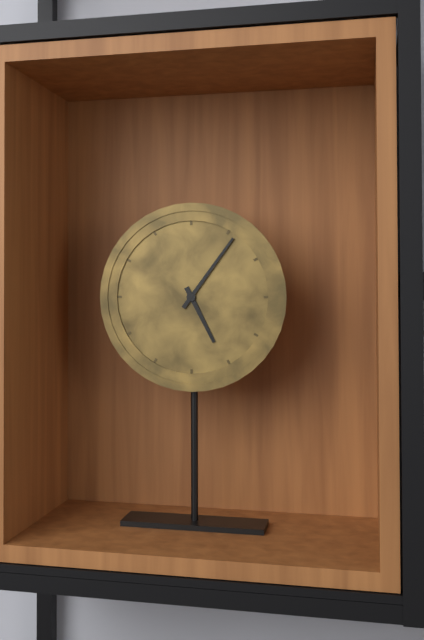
5:06
